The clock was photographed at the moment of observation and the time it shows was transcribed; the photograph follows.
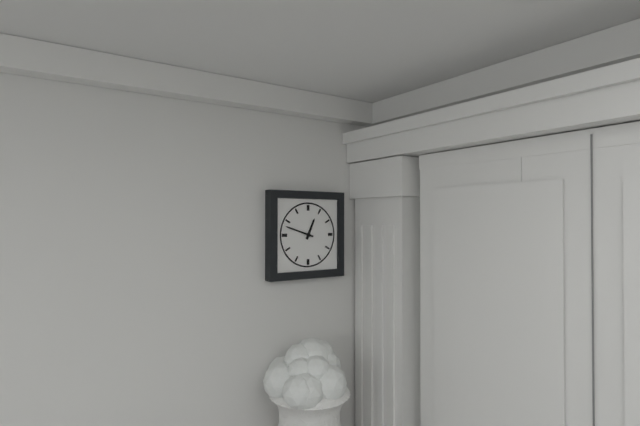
12:48
